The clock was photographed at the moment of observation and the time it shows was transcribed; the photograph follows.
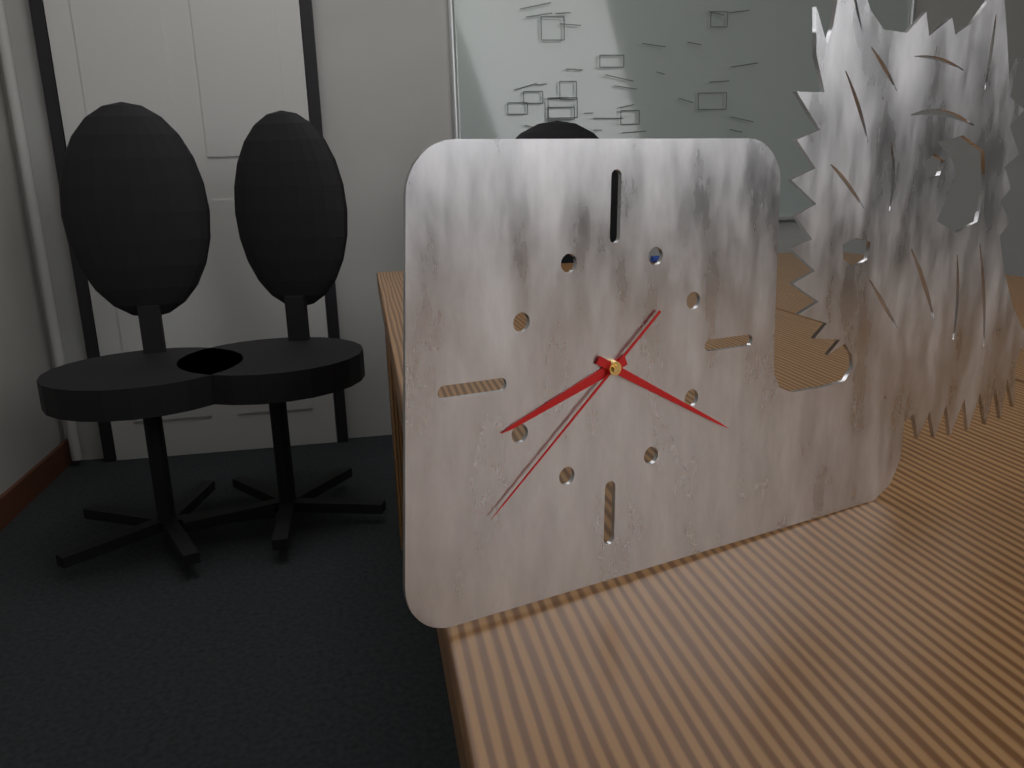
8:20:38
